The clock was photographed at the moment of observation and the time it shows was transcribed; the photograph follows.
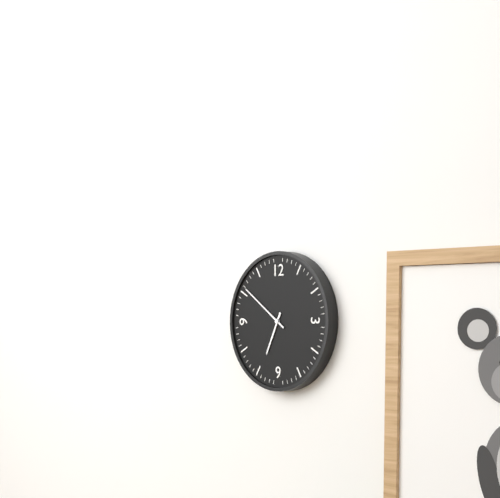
6:51
